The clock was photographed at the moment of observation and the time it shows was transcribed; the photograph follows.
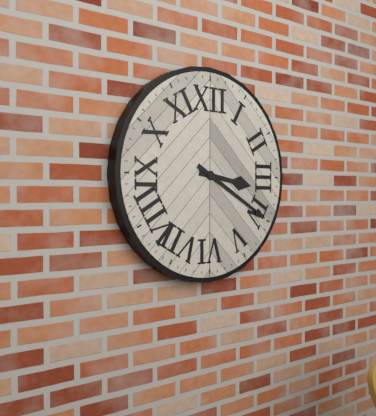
3:20
